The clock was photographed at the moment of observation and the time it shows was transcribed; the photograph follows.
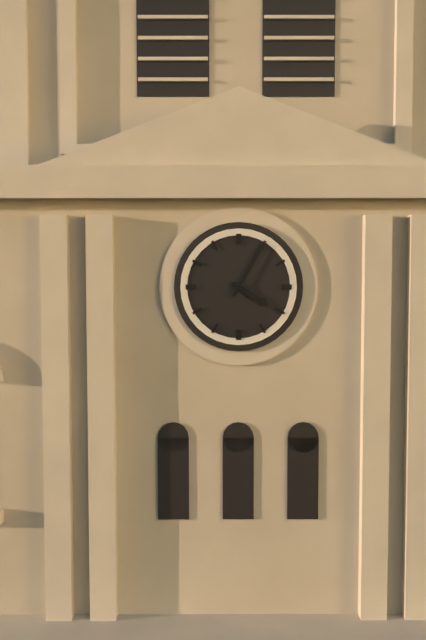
4:05
